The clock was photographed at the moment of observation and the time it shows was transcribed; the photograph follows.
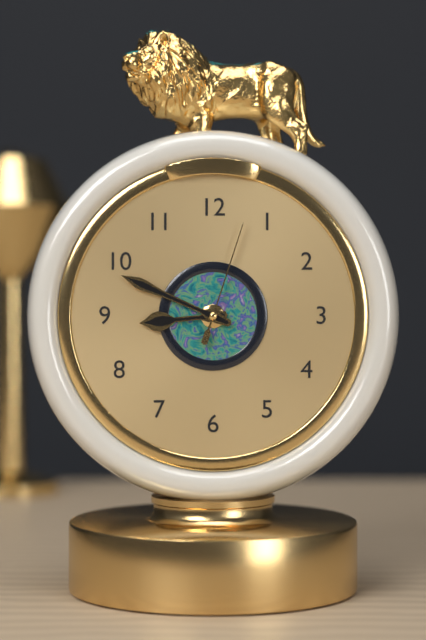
8:49:03
